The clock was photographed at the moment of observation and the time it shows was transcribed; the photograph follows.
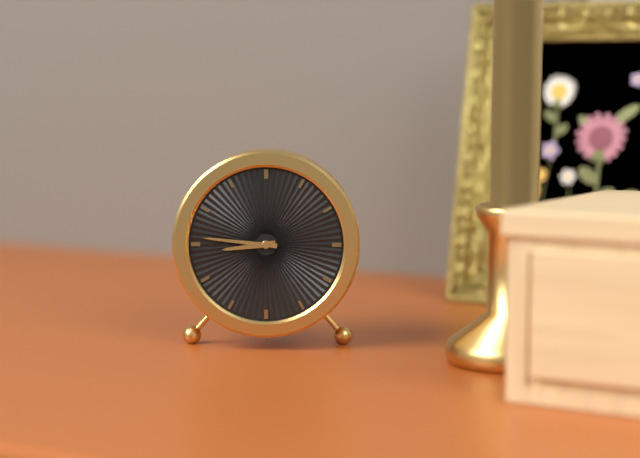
8:46
